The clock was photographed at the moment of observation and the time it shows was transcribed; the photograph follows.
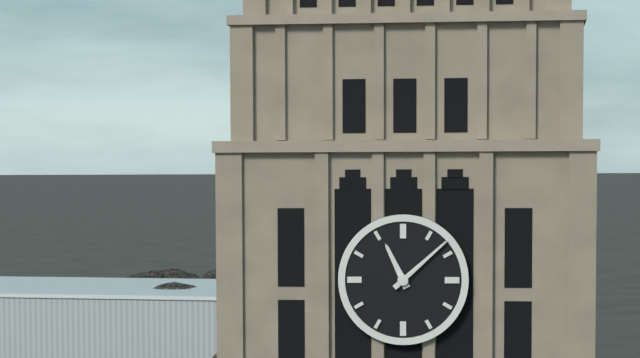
11:08
